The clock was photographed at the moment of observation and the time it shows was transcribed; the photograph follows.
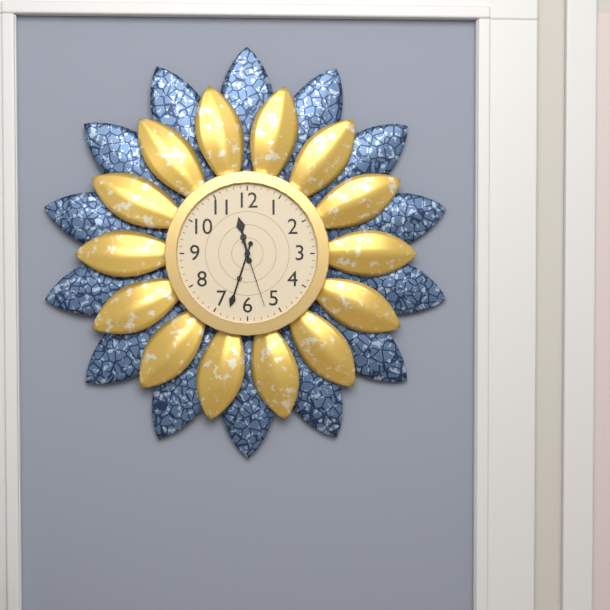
11:33:27
